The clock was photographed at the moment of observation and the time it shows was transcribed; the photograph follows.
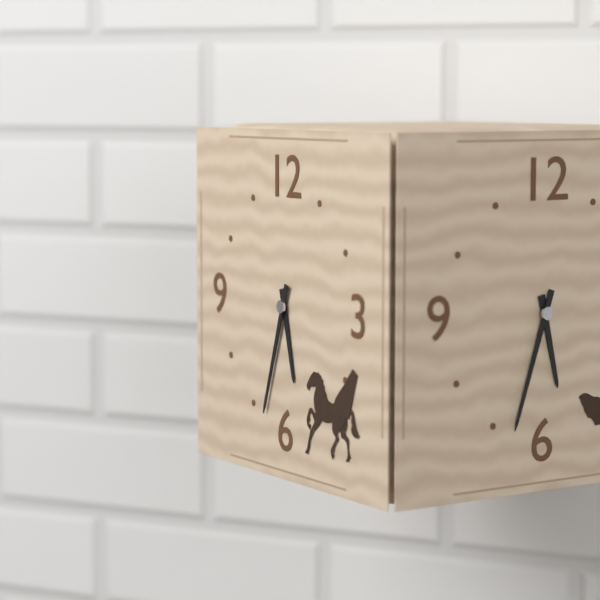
5:33
